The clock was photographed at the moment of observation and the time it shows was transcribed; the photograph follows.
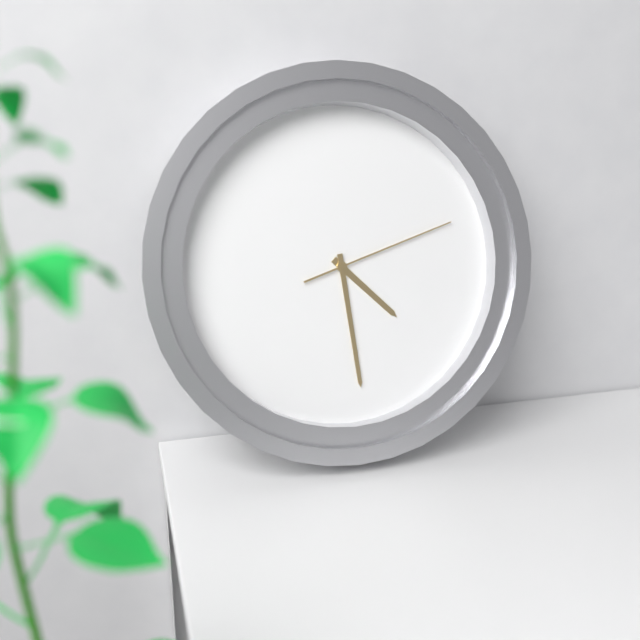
4:29:12
